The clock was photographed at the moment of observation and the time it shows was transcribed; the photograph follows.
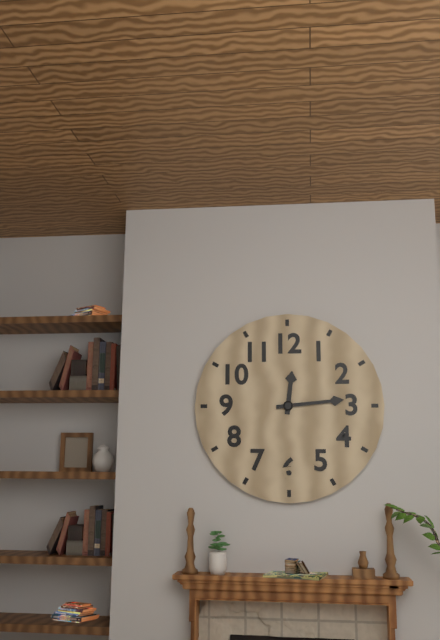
12:14
